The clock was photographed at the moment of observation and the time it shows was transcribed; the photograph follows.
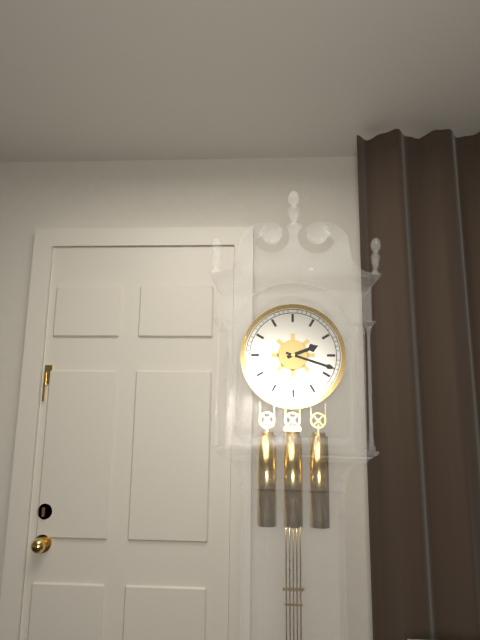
2:18
